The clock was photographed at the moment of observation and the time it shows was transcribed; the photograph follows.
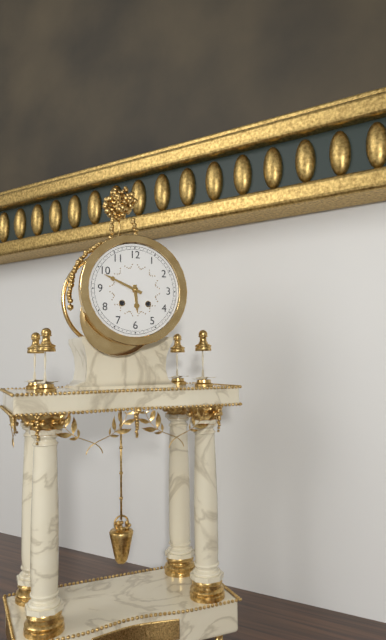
5:49
